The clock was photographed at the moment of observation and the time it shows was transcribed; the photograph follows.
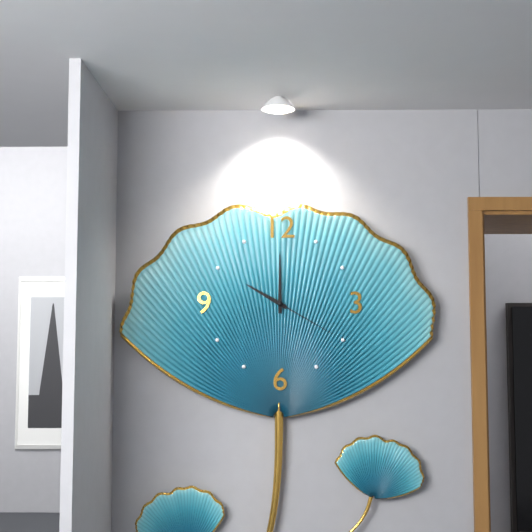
10:00:20
